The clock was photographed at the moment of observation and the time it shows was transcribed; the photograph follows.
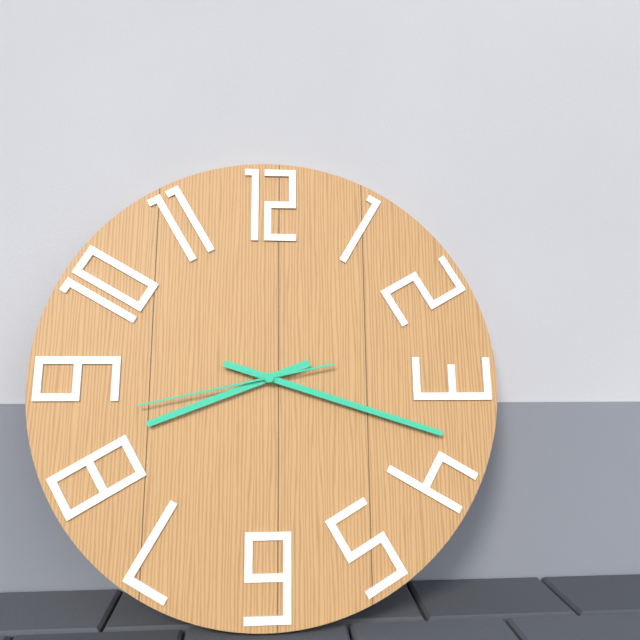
8:18:43
